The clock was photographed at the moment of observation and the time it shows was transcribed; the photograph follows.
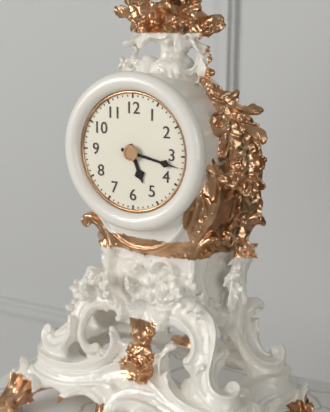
5:17
